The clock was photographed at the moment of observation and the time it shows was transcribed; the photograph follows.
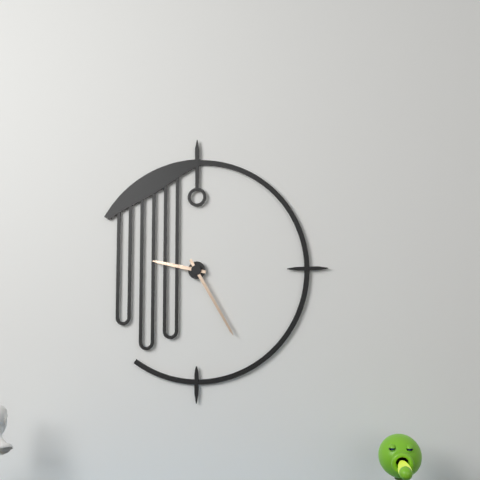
9:25
